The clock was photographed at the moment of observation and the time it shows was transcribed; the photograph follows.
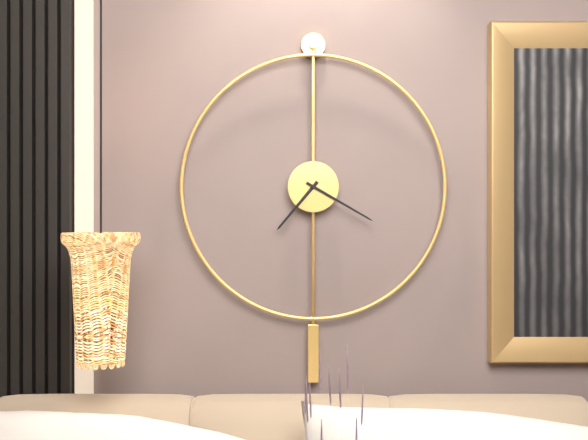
7:20
